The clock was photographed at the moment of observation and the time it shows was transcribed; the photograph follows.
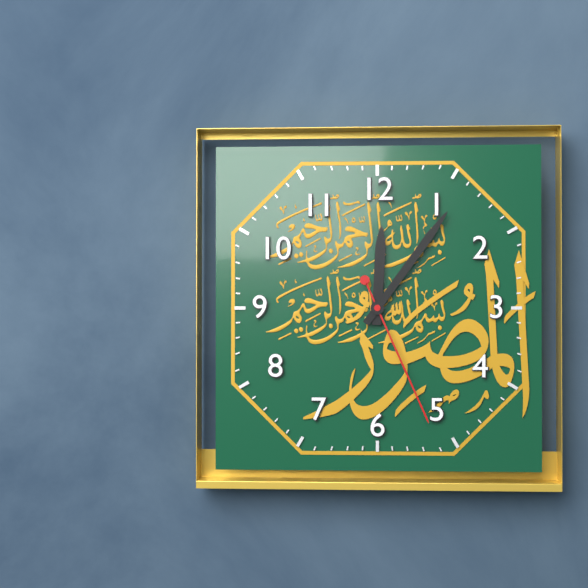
12:06:26
